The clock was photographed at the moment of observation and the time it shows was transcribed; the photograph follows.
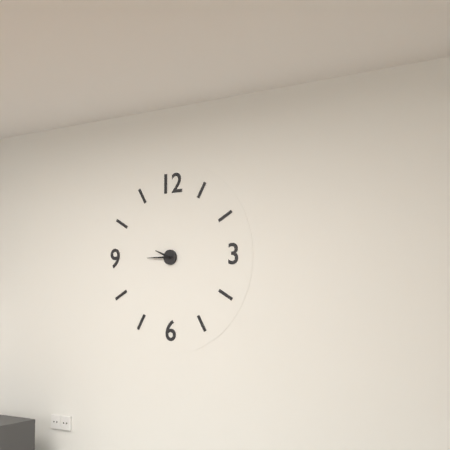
9:45
